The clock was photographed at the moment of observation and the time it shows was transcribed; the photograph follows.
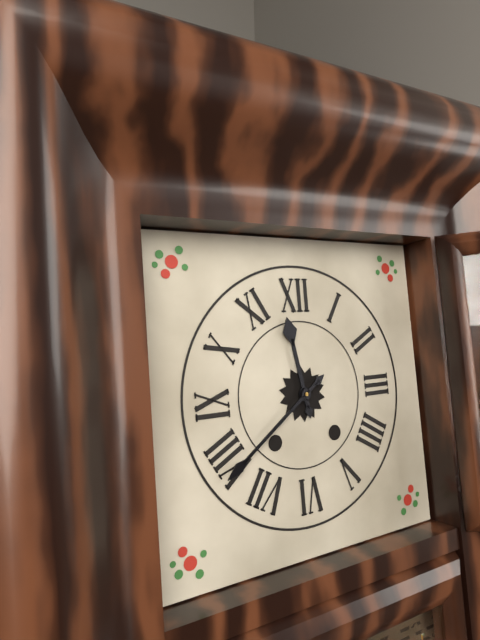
11:39
